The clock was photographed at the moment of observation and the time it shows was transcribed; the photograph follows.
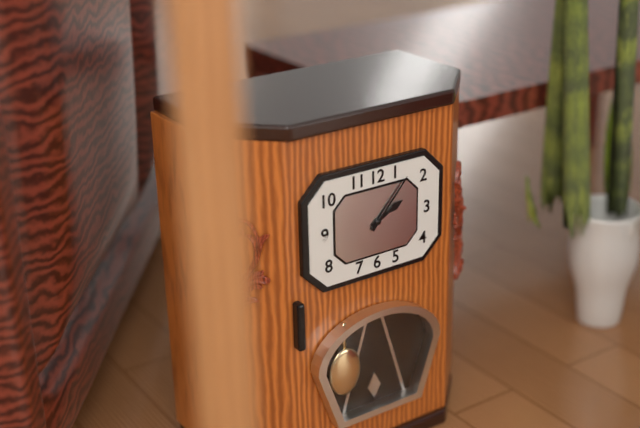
2:07
